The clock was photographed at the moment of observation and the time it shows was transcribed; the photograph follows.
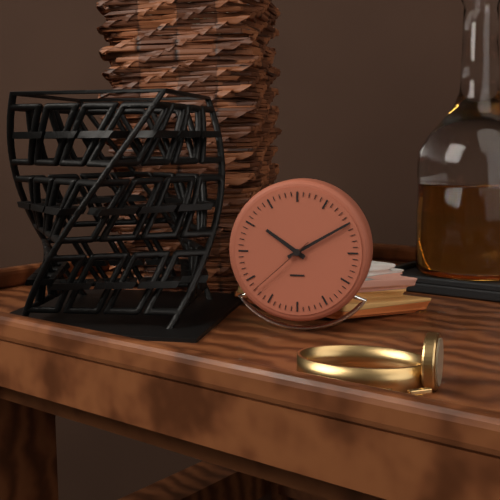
10:10:38
